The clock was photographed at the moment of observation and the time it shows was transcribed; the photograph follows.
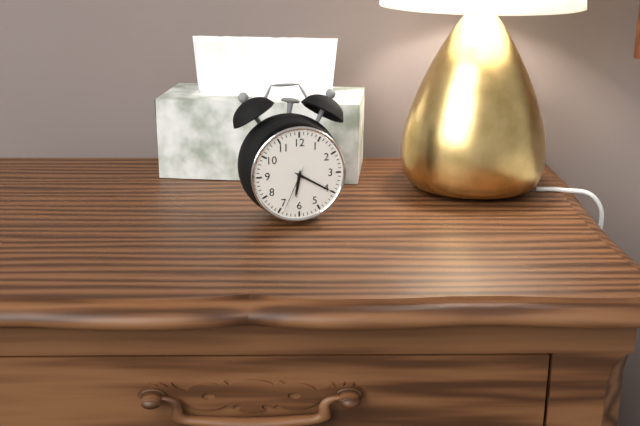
6:20:34
